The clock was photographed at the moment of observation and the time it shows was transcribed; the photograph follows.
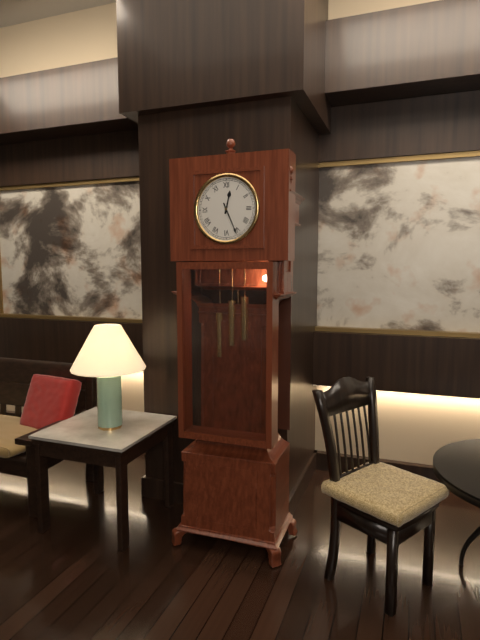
12:26
